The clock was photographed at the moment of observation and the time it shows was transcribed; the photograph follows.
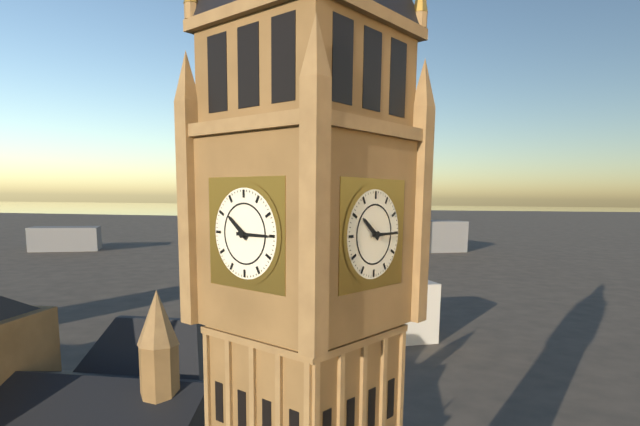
10:15
